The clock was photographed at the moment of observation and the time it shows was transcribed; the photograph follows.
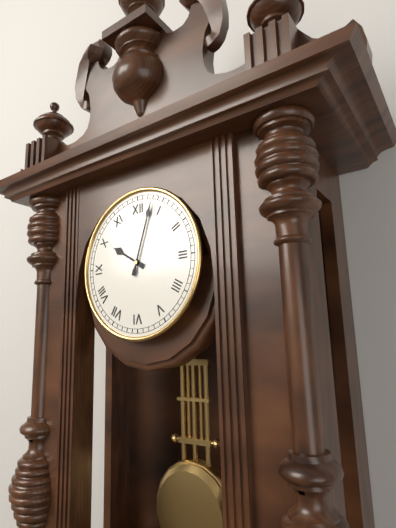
10:03
